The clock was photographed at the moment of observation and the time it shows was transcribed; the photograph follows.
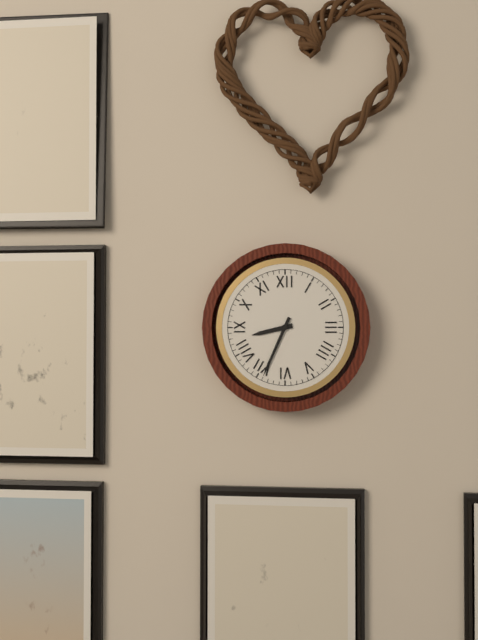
8:34
